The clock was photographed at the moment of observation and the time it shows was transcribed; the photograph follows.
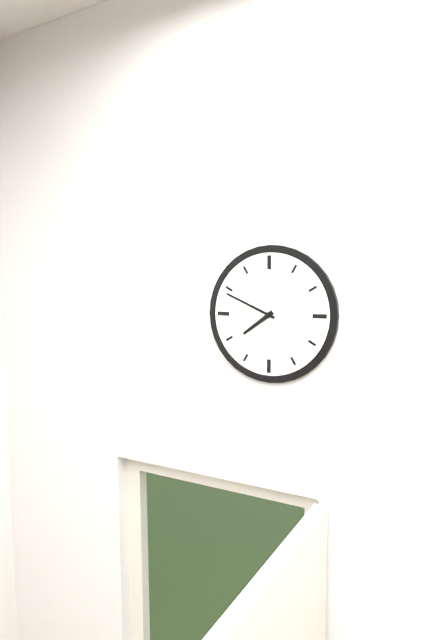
7:49
